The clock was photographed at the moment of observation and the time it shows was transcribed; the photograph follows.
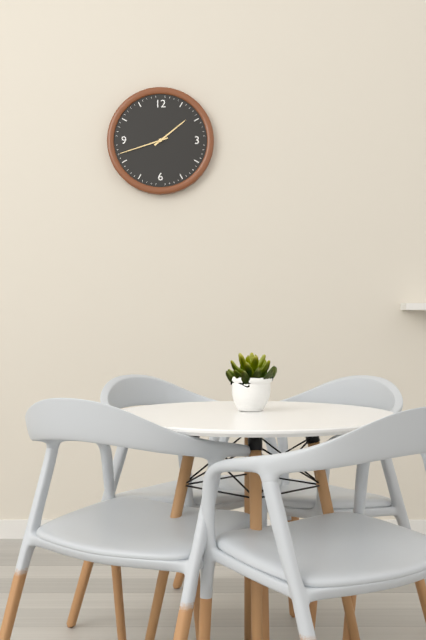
1:42
